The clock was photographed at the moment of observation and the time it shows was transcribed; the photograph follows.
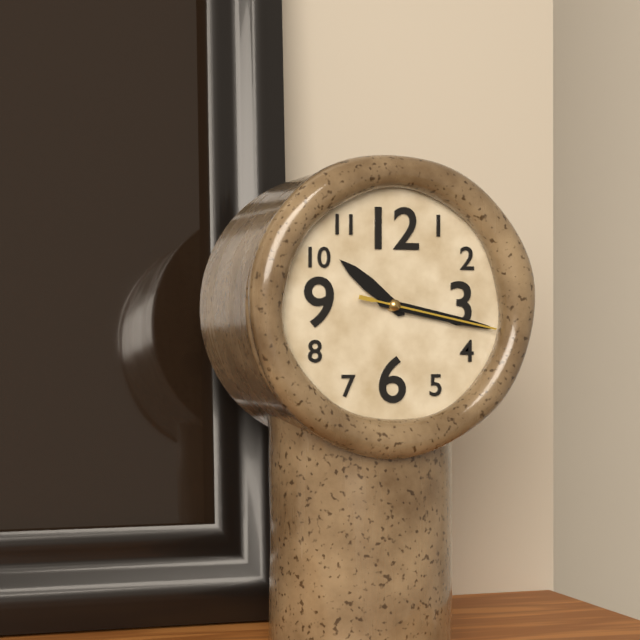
10:17:17
